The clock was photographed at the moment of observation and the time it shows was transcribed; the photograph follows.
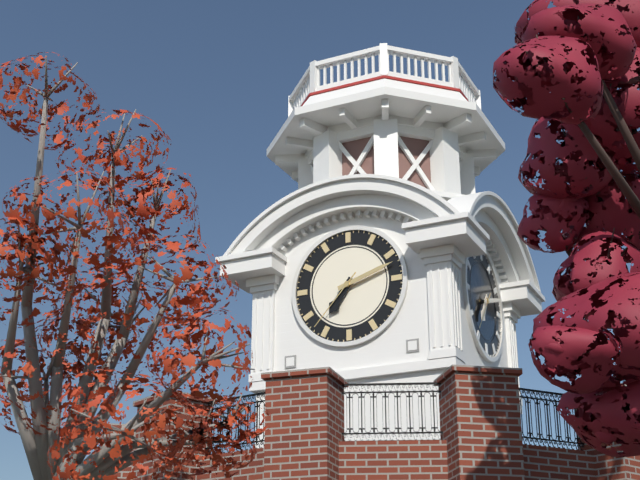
7:12:37
